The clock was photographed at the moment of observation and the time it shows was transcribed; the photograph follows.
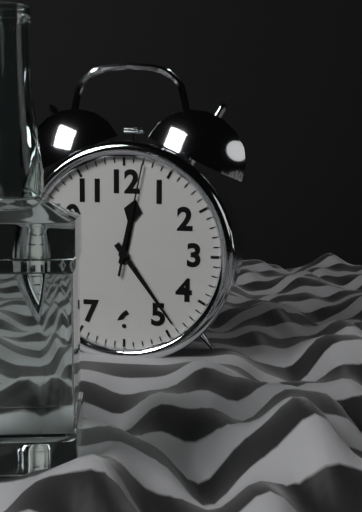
12:24:02
